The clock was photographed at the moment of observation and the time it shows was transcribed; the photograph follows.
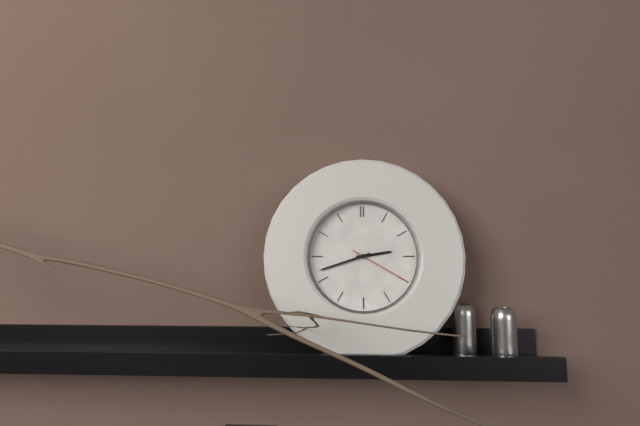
2:42:20
